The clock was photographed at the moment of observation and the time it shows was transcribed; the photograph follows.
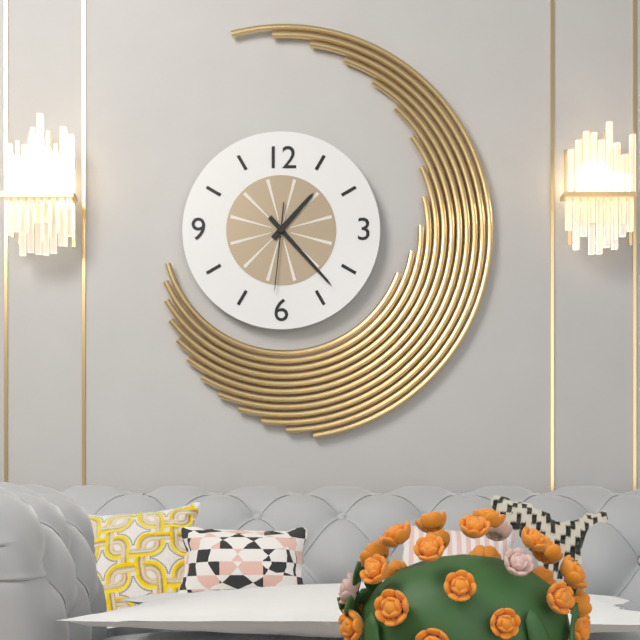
1:23:31
